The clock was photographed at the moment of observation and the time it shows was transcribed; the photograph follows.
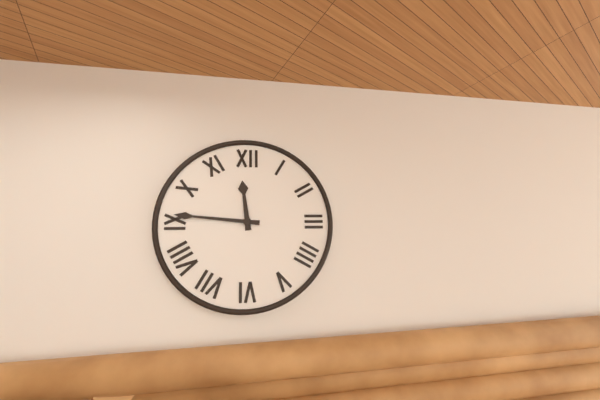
11:46
